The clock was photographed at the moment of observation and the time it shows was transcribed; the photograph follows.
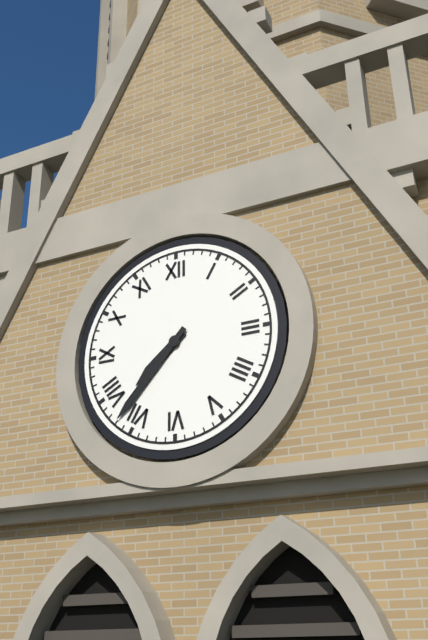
7:37
